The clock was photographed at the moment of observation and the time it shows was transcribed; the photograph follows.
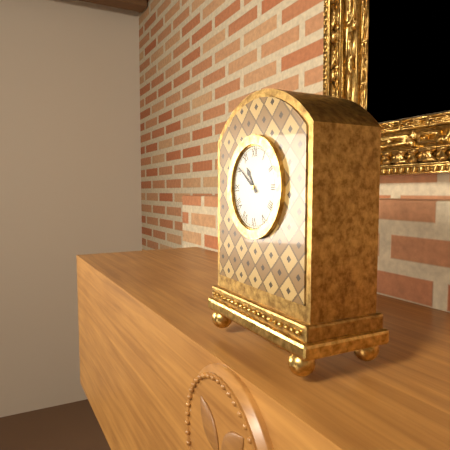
10:51
